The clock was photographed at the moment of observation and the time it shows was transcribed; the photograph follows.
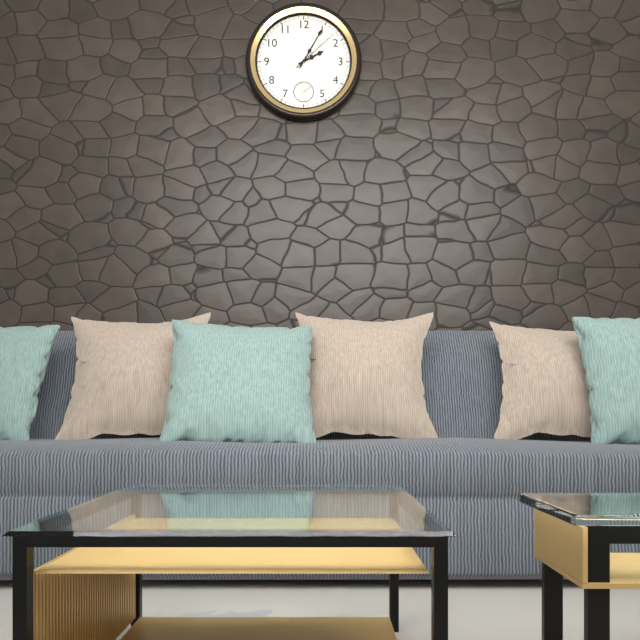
2:05:08
